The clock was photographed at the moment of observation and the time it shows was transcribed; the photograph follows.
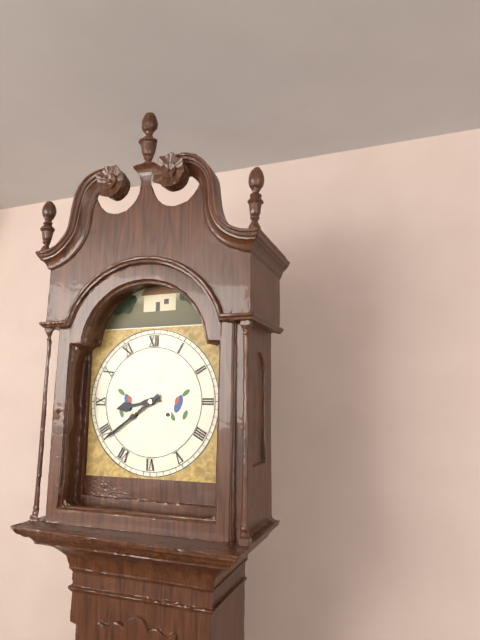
8:39
